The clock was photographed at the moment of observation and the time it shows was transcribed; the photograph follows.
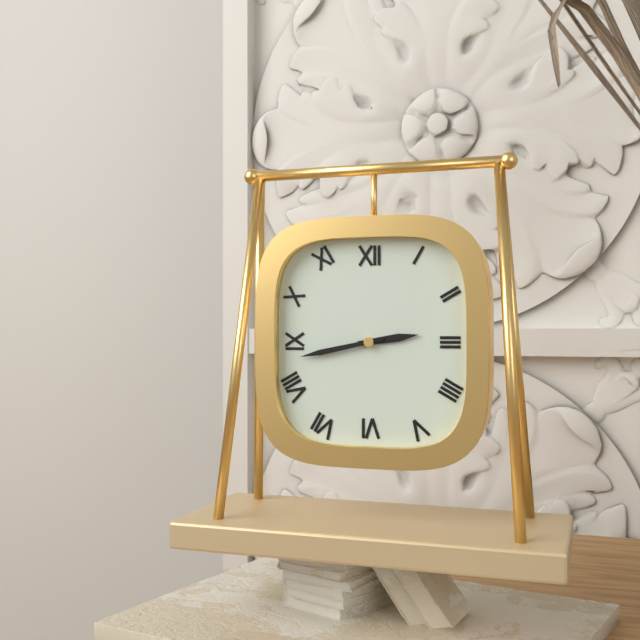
2:43
